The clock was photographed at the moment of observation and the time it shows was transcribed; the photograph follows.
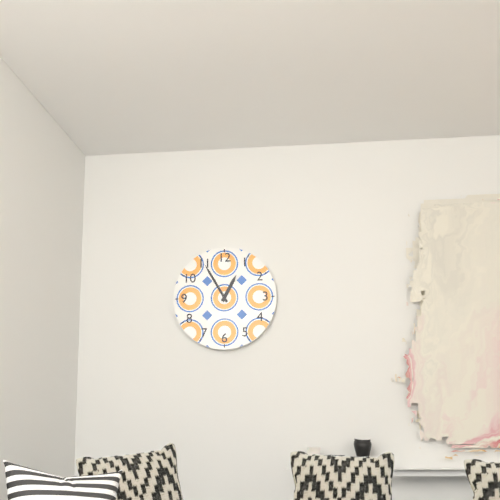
12:55
